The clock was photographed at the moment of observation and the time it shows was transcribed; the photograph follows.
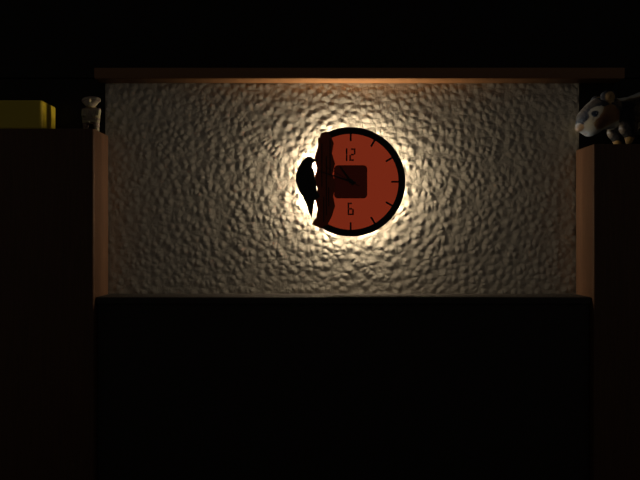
10:48
